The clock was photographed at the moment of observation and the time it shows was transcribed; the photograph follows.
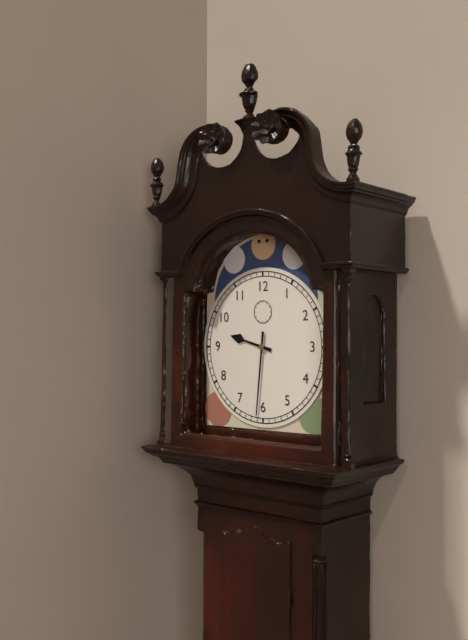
9:31
